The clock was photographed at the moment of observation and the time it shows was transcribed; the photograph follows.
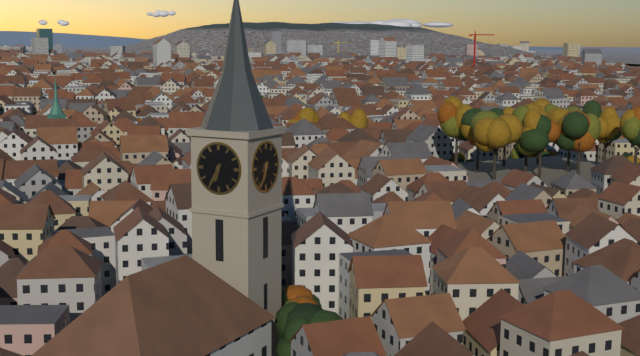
6:35
